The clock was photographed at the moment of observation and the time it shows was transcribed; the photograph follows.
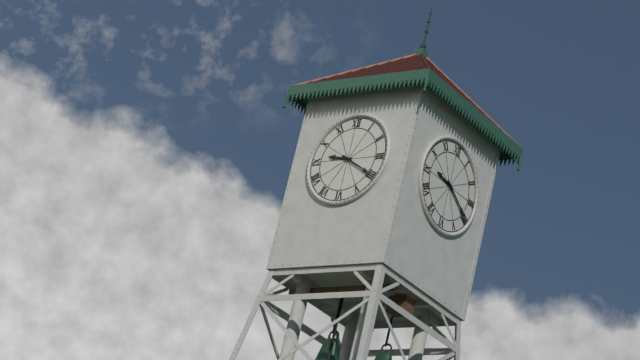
9:20
